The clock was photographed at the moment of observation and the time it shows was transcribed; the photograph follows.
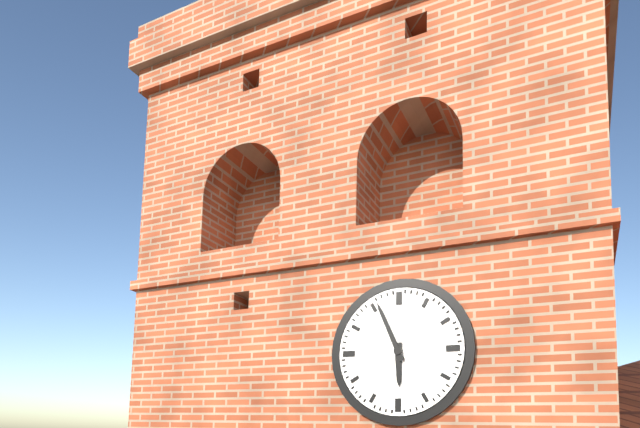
5:56
